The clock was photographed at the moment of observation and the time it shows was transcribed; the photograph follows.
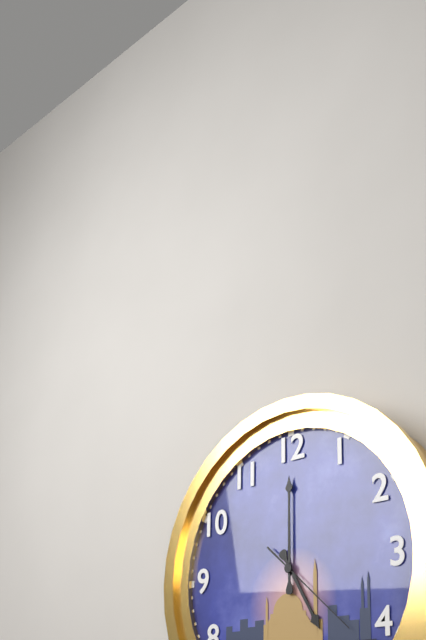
5:00:22
